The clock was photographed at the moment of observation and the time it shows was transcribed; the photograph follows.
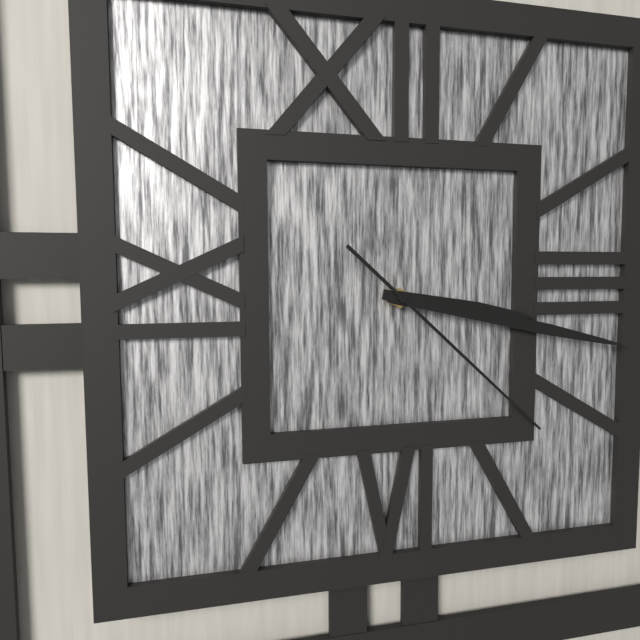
3:17:22
